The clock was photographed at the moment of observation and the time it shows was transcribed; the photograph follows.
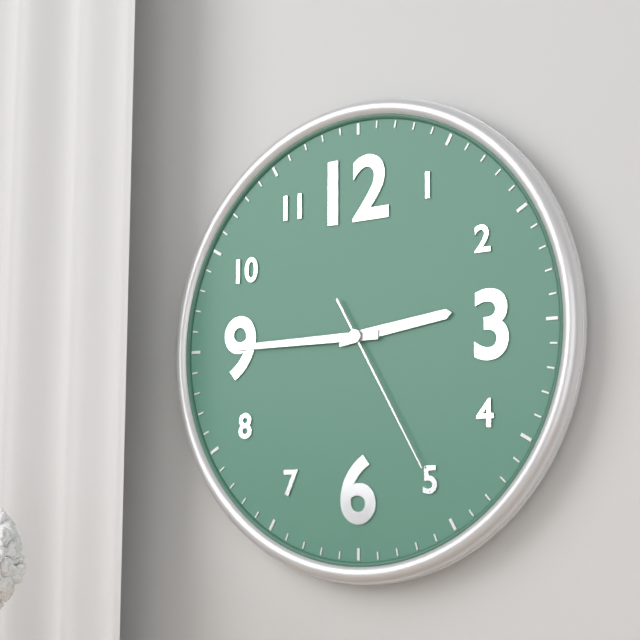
2:45:25
